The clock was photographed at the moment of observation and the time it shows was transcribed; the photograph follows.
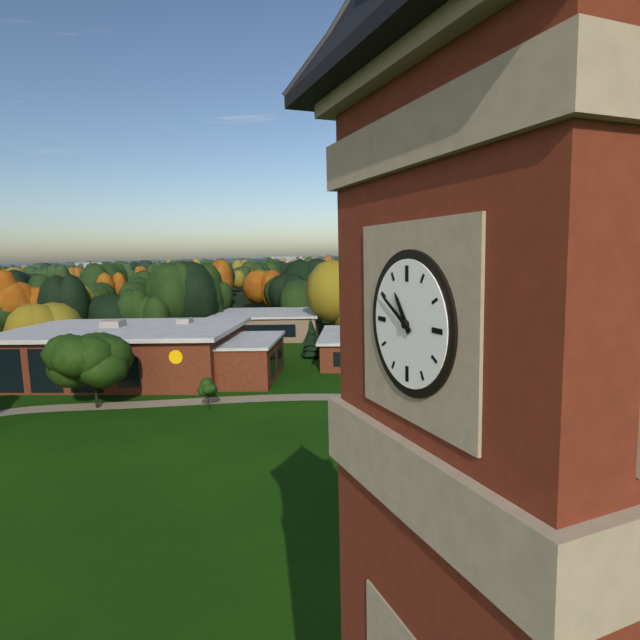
10:50
